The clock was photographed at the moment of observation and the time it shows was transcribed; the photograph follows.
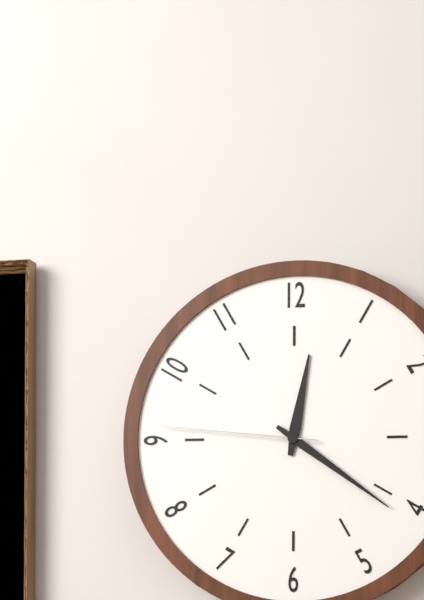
12:21:46
